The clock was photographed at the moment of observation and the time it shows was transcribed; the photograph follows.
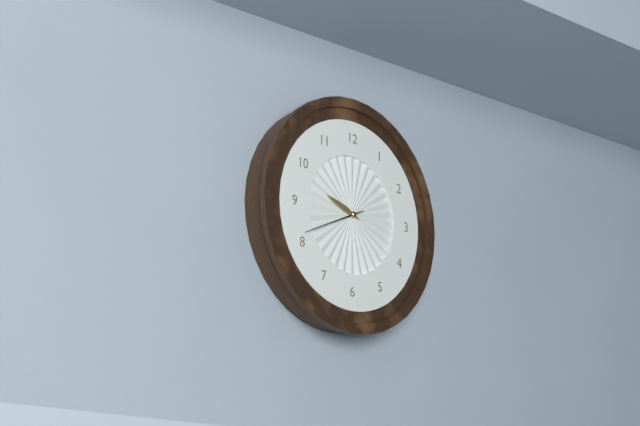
9:41
